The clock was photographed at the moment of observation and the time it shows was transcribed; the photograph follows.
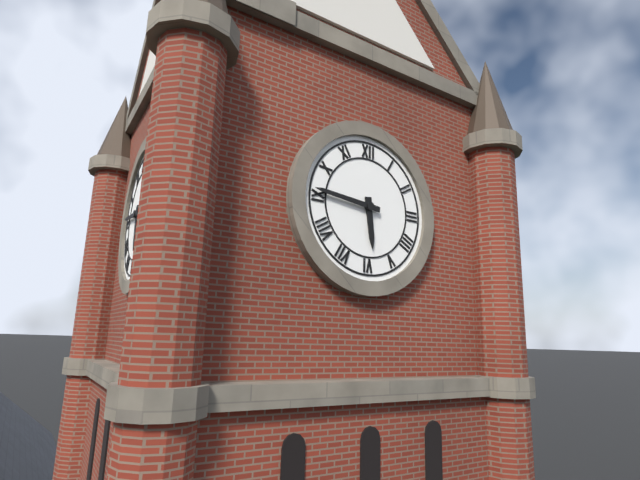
5:46
